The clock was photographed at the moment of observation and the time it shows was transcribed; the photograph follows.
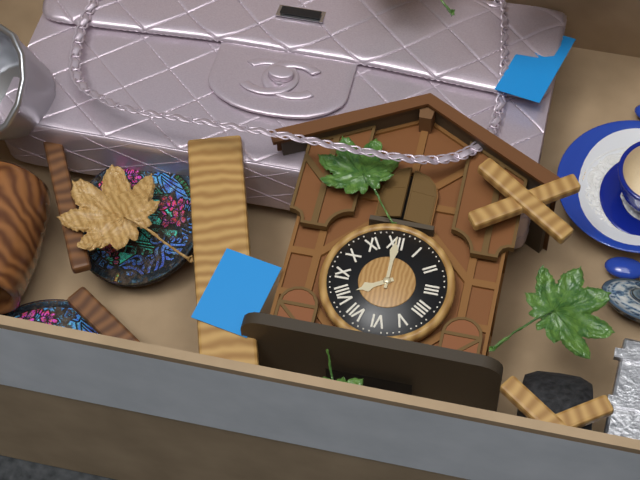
8:00
